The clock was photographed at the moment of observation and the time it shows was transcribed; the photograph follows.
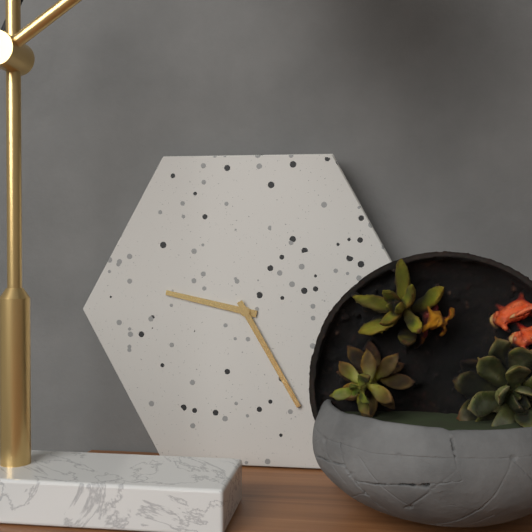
9:25
